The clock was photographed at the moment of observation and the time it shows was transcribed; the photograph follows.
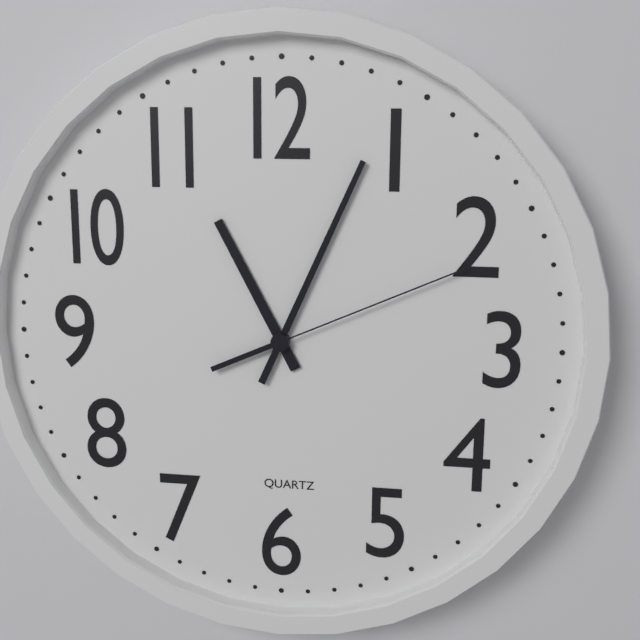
11:04:11
